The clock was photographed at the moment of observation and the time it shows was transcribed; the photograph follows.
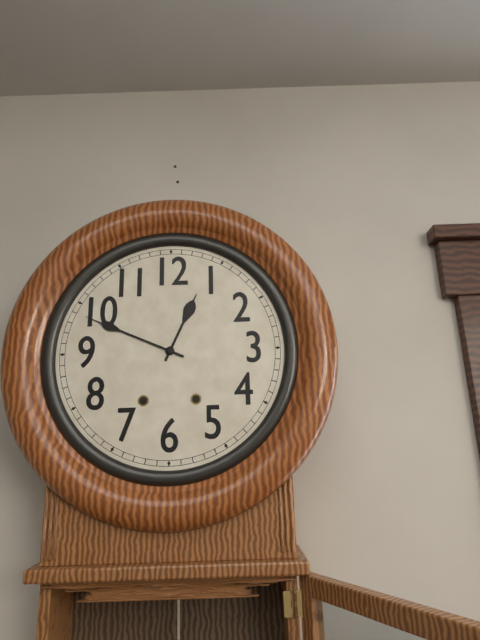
12:49
